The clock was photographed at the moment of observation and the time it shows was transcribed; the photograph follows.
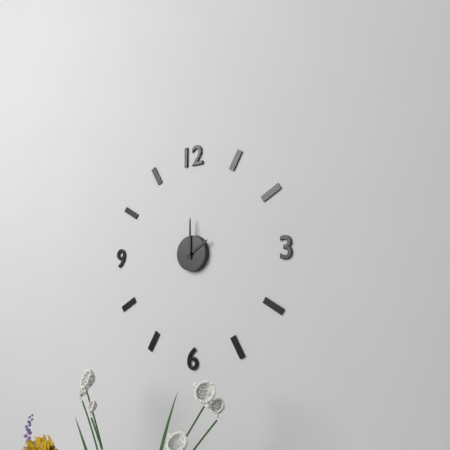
2:00
